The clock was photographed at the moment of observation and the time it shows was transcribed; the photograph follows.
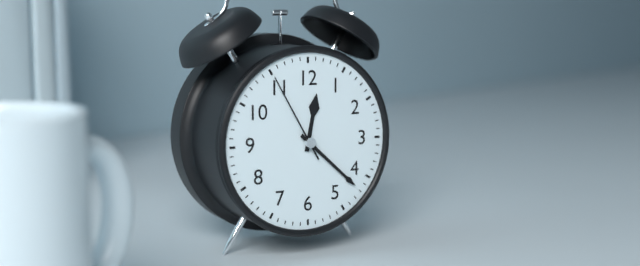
12:22:55
